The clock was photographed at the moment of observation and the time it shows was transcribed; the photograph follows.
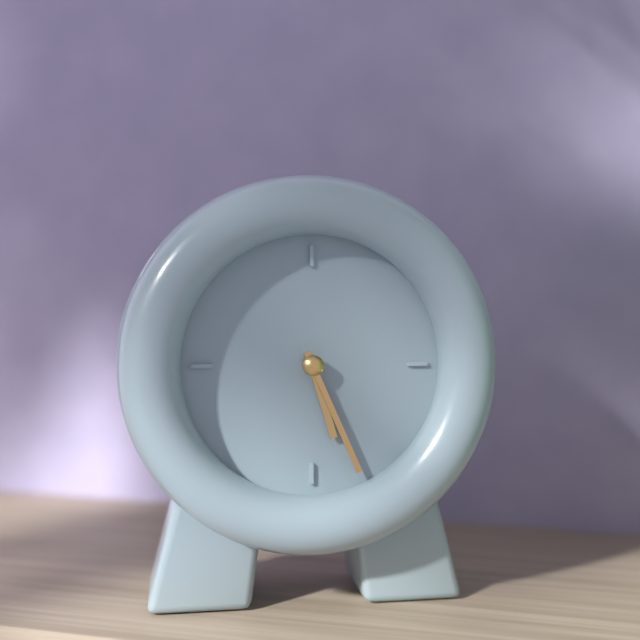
5:26
